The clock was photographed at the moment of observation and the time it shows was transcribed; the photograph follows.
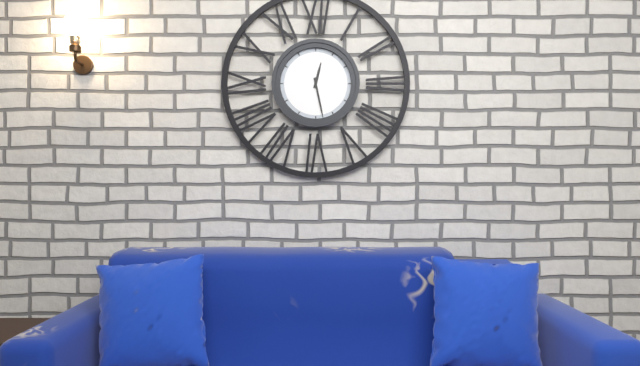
12:28
